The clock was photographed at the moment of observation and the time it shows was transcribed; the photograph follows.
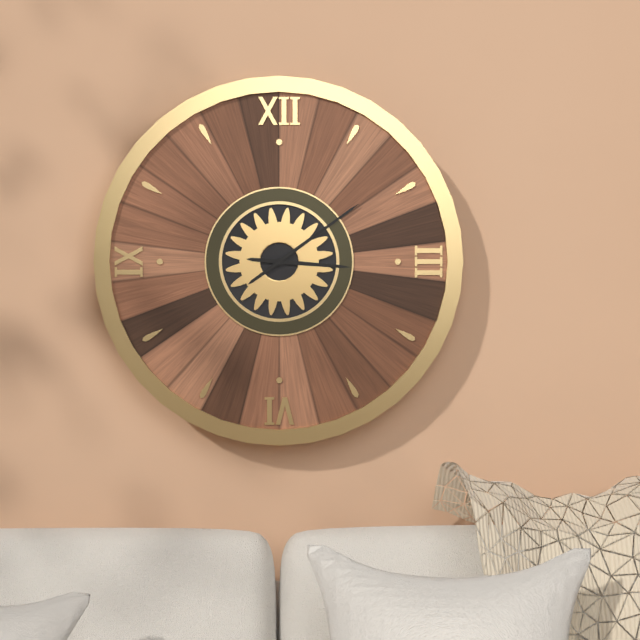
3:09
